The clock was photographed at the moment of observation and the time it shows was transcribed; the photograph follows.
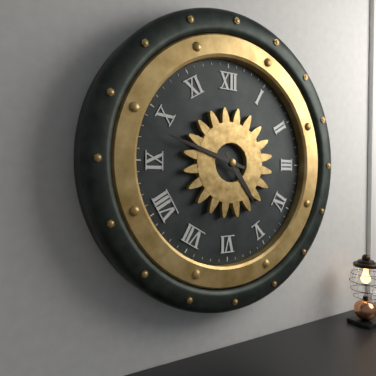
4:48
